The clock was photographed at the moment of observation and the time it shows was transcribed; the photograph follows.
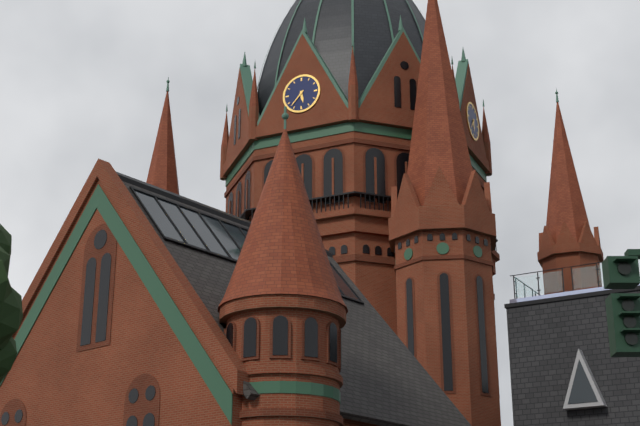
5:37
